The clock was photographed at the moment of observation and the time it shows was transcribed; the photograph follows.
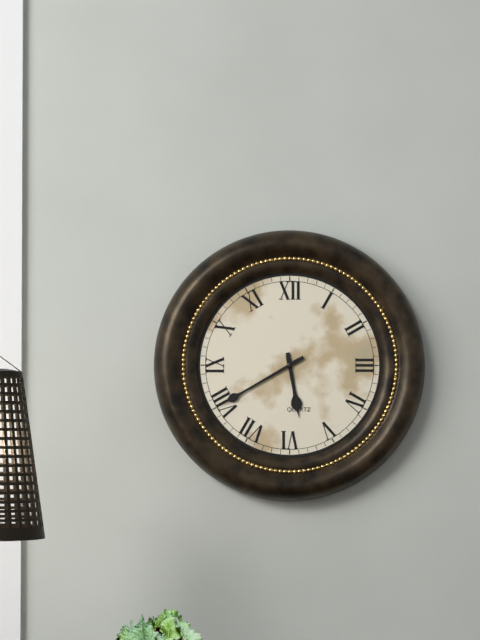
5:40
